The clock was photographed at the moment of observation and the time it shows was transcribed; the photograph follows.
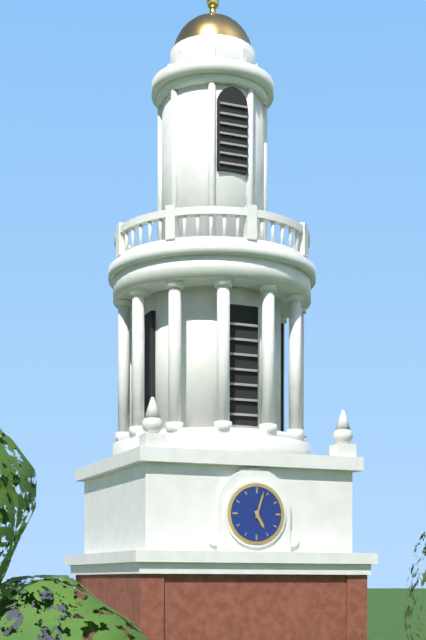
5:03
